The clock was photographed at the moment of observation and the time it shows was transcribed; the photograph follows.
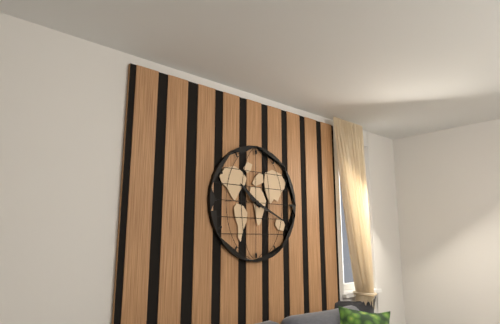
10:19
